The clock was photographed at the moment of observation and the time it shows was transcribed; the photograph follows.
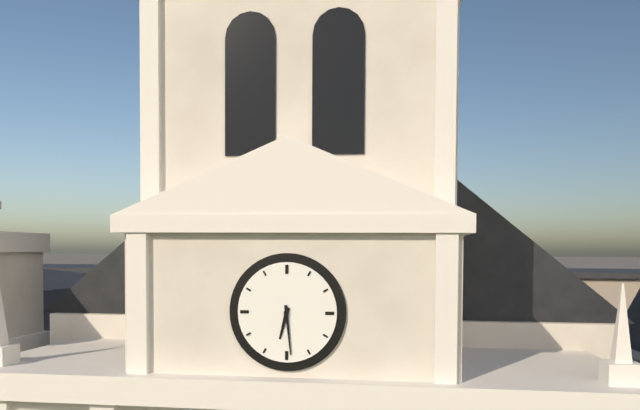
6:29
